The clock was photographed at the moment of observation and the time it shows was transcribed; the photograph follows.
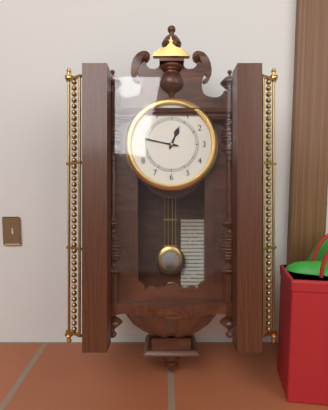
12:47
